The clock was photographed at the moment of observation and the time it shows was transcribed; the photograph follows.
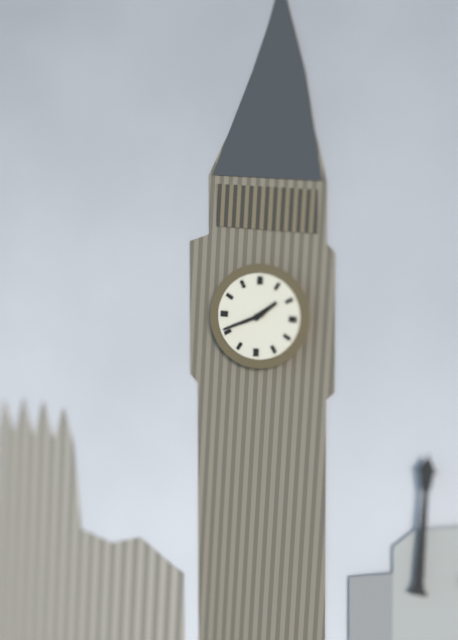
1:41
